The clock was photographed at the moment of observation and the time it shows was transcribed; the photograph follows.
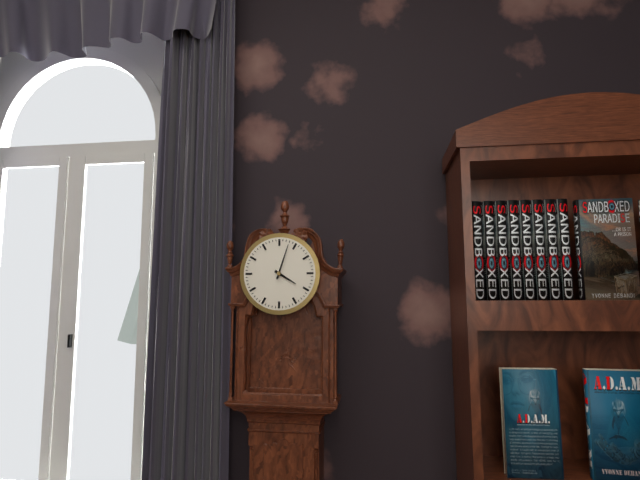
4:03
